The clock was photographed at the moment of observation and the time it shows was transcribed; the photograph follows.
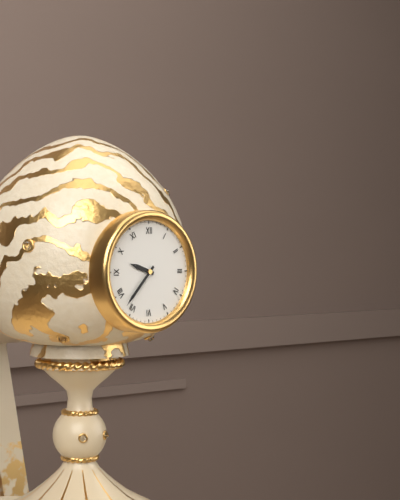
9:37
